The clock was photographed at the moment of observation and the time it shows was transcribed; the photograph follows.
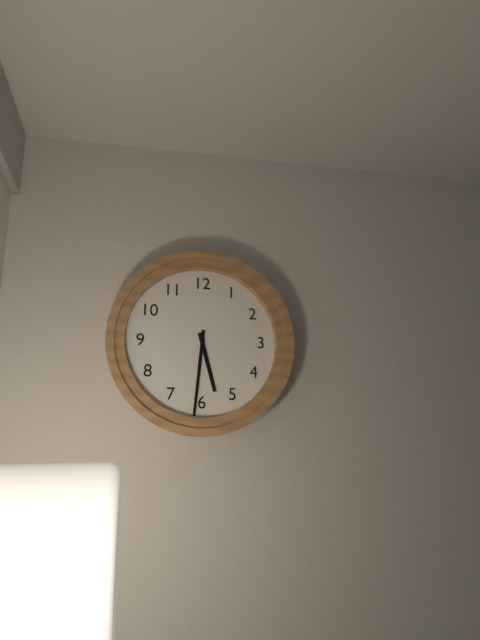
5:31
